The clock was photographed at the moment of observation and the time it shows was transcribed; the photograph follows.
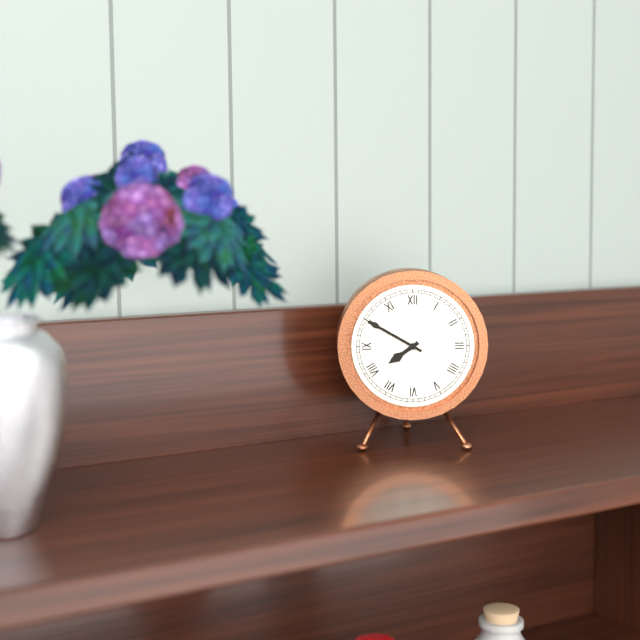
7:50
